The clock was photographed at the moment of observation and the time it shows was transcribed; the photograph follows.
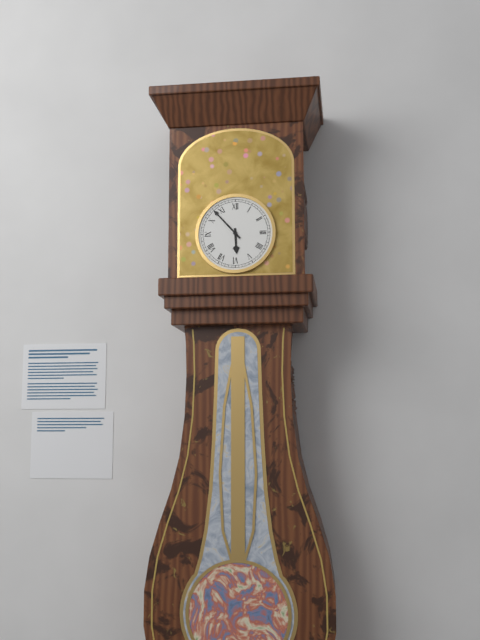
5:53
